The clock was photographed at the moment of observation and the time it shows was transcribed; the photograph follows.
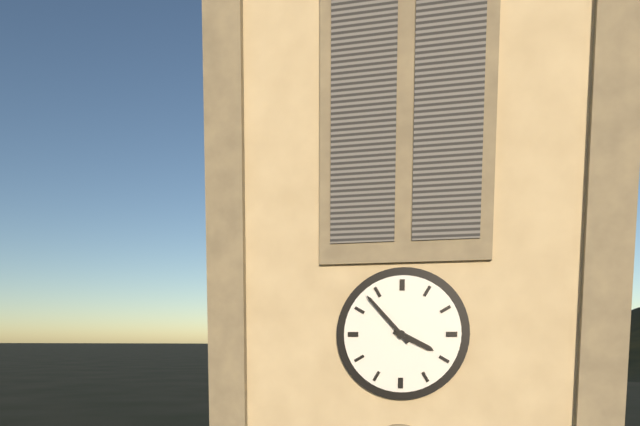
3:53
